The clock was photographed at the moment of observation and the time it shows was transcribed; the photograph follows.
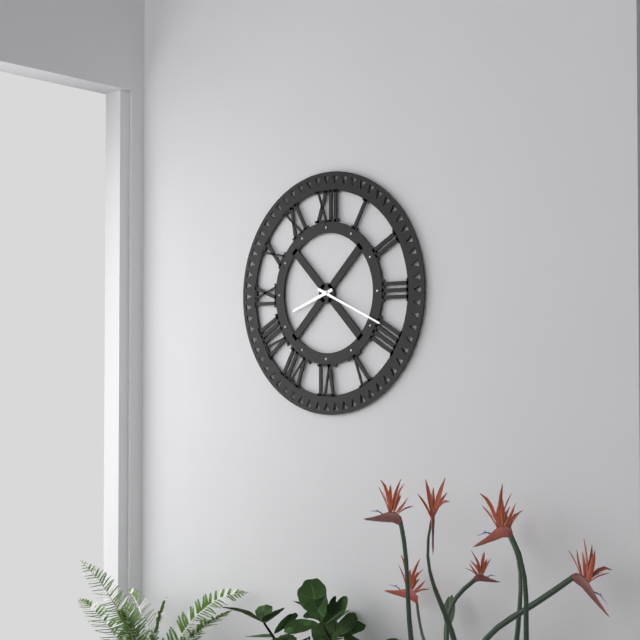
8:19
